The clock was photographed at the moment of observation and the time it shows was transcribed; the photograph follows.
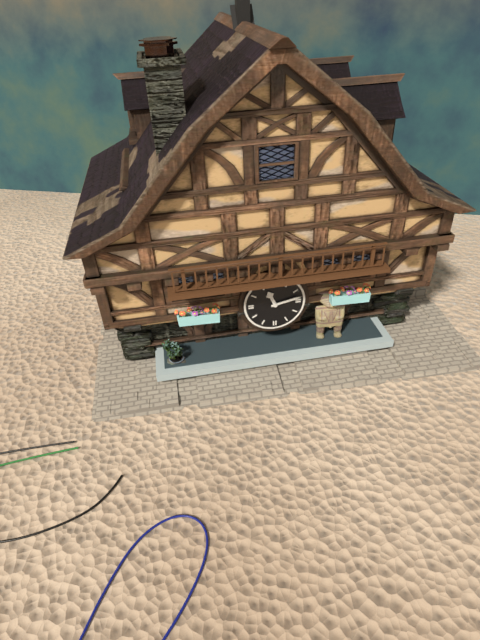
11:13
